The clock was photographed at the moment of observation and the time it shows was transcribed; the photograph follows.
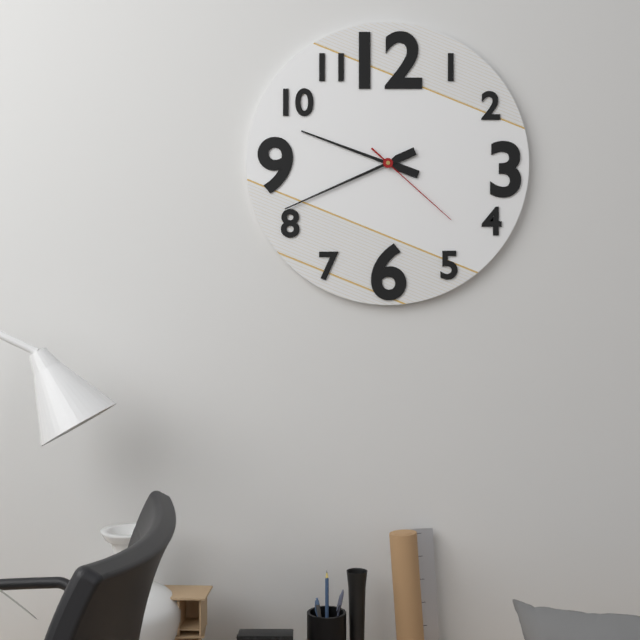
9:41:22
